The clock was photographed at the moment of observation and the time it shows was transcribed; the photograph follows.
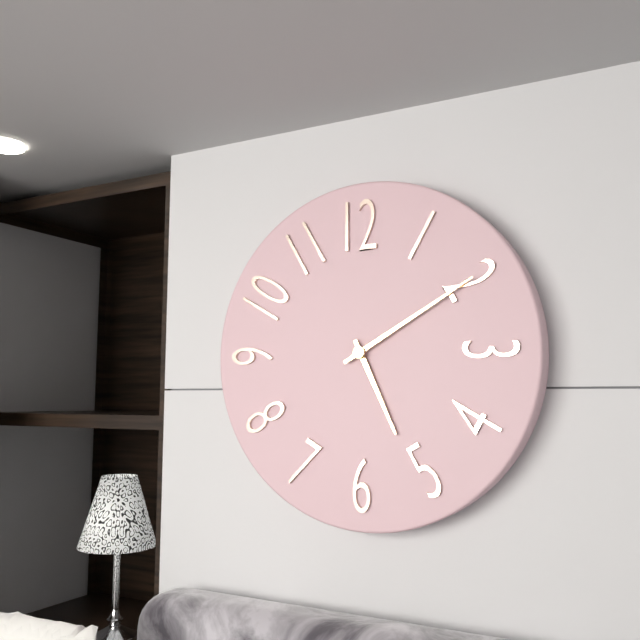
5:10
